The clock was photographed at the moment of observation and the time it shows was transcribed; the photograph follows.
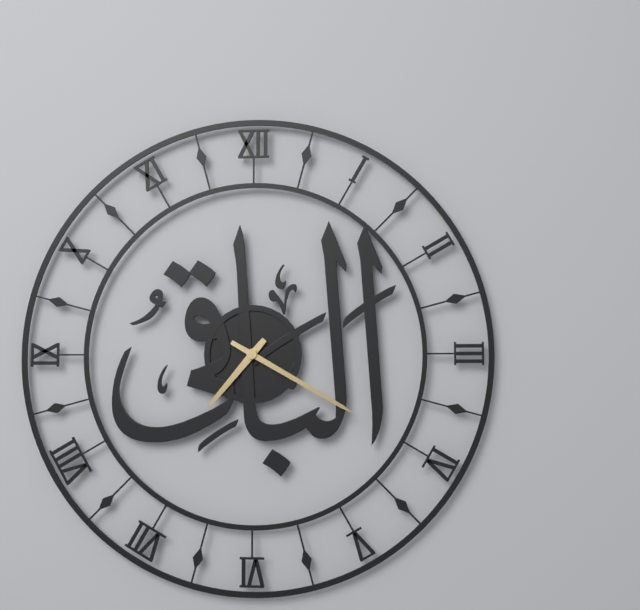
7:20
